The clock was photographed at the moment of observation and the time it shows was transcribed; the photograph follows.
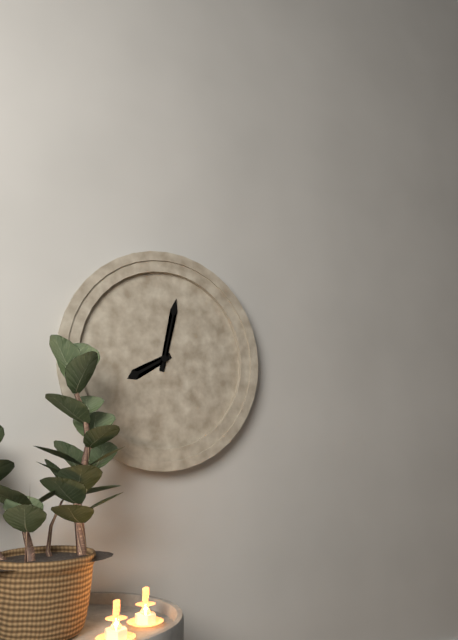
8:02
